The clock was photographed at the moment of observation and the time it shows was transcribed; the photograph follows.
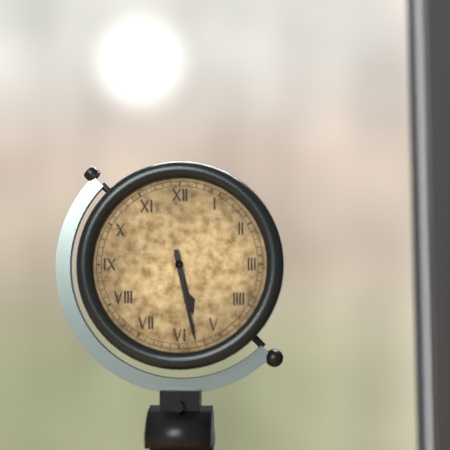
5:28
